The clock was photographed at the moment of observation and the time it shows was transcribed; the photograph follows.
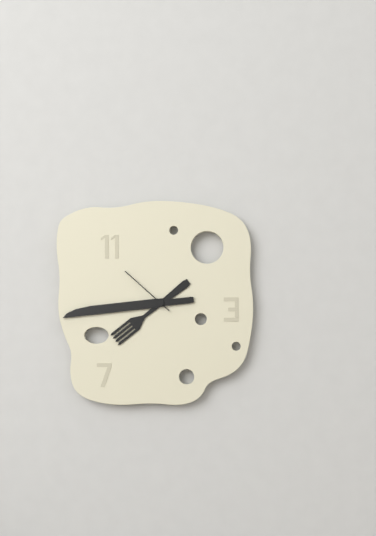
7:44:52
